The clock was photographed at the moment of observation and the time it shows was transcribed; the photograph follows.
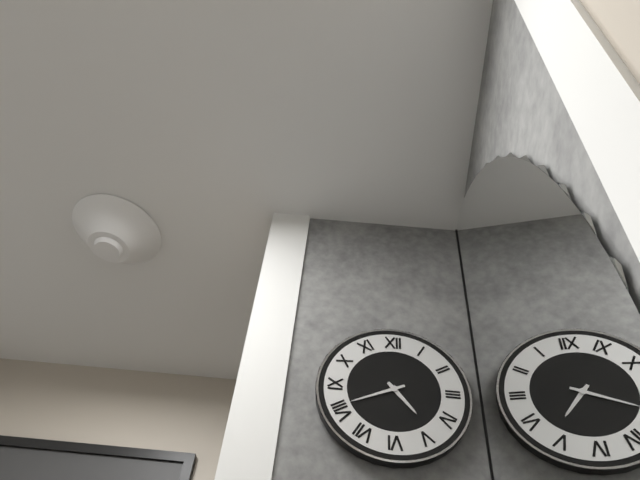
4:41
